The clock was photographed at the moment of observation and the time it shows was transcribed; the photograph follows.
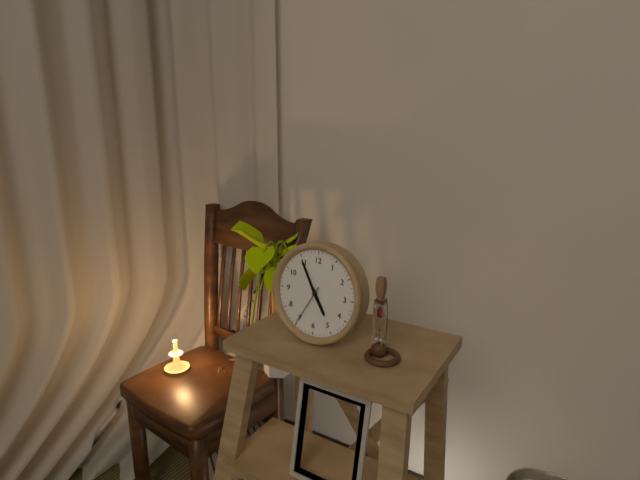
4:55
